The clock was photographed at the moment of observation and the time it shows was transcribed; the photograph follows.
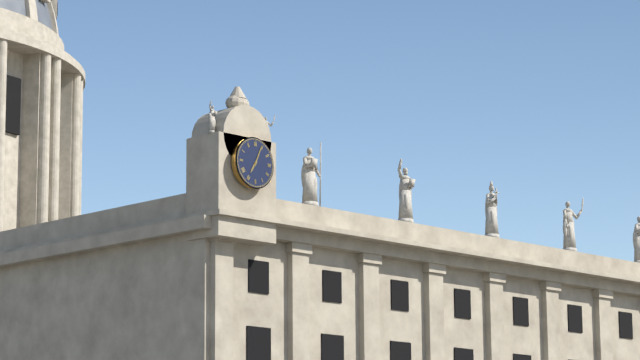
7:04
